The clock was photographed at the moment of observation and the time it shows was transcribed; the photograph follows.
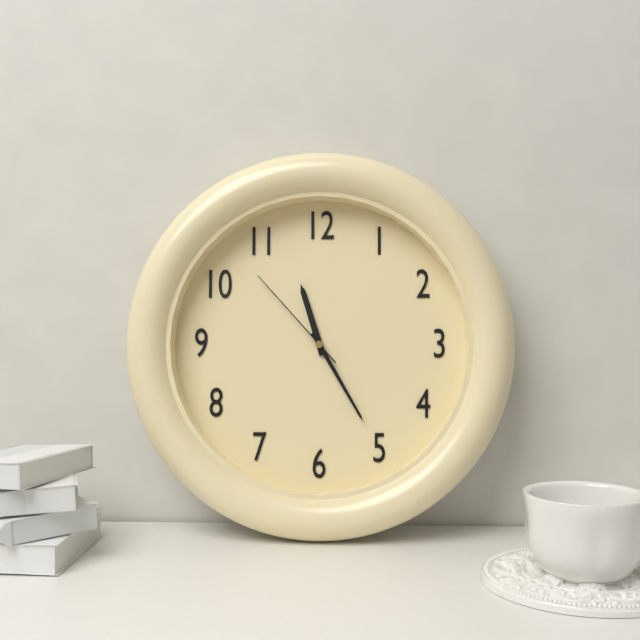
11:25:53
